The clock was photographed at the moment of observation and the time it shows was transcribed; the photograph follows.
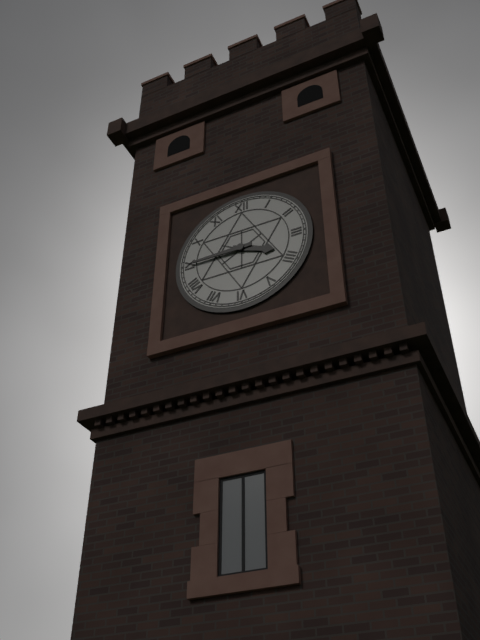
3:45
